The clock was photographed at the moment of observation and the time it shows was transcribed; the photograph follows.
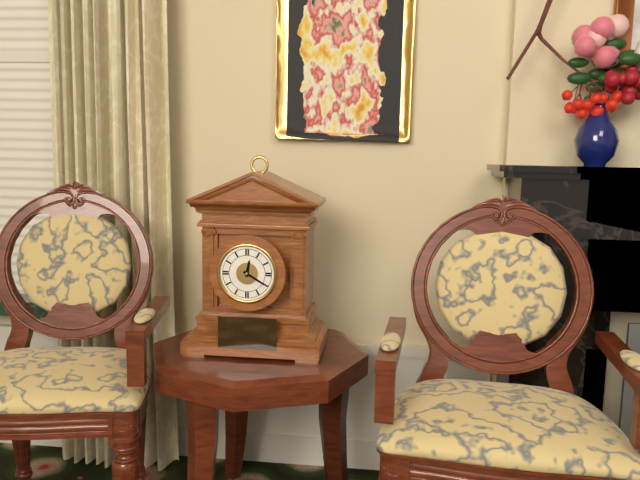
12:20
